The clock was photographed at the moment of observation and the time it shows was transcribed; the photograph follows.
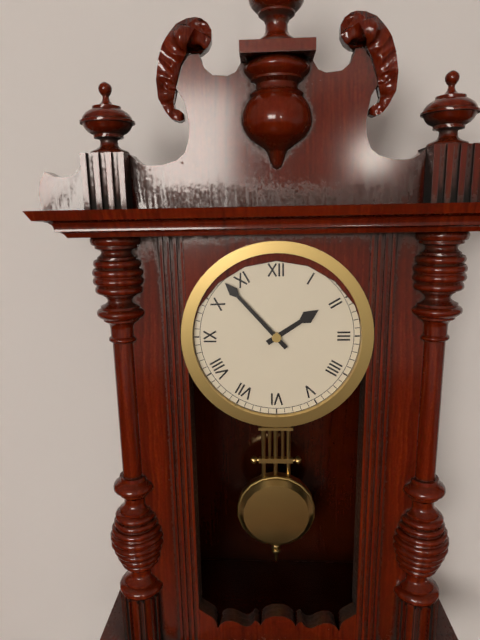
1:53
